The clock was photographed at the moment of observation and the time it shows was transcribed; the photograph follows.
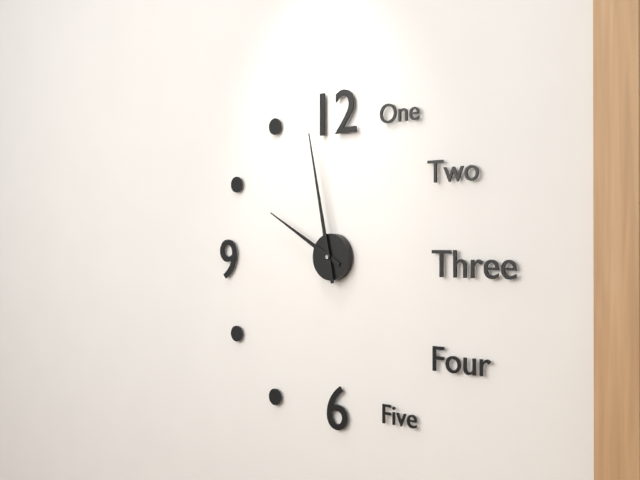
9:58
